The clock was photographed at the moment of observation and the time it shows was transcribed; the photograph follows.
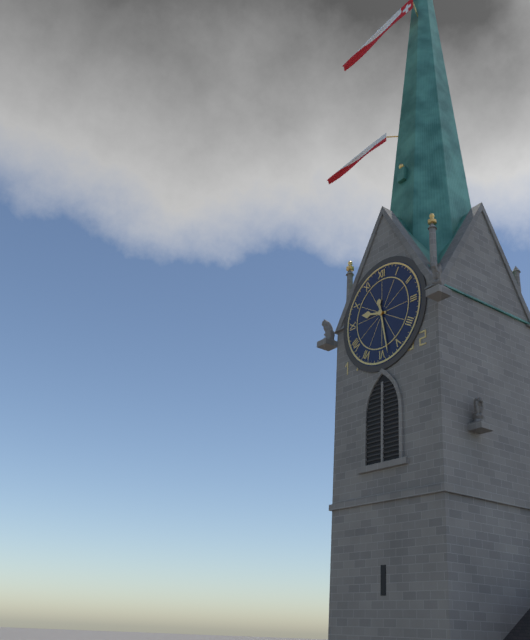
9:28
